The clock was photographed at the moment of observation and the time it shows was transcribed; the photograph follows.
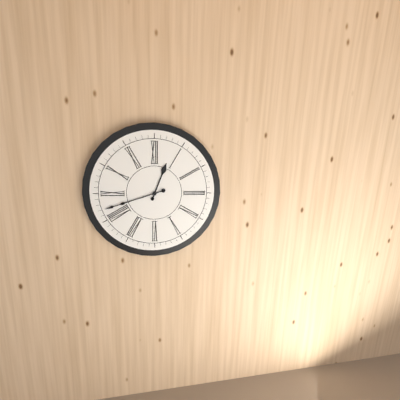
12:42
